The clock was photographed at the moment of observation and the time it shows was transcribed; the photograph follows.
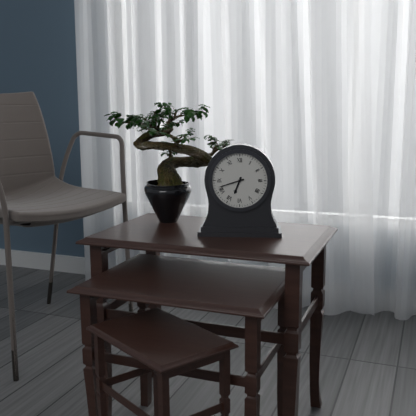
6:42
